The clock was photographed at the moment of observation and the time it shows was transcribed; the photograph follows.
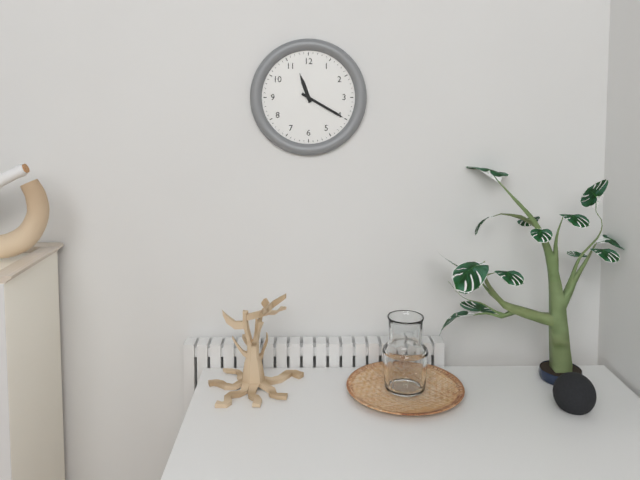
11:20
